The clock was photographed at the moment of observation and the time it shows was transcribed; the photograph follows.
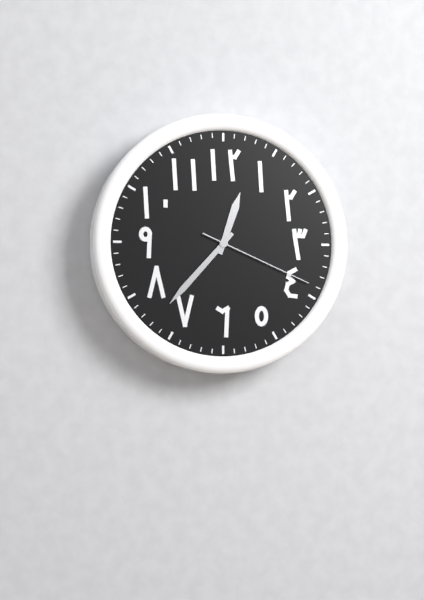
12:37:19
